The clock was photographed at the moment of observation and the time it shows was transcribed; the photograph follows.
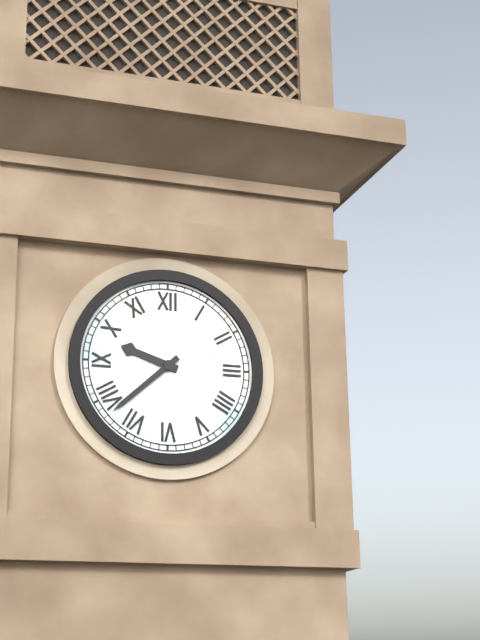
9:38
